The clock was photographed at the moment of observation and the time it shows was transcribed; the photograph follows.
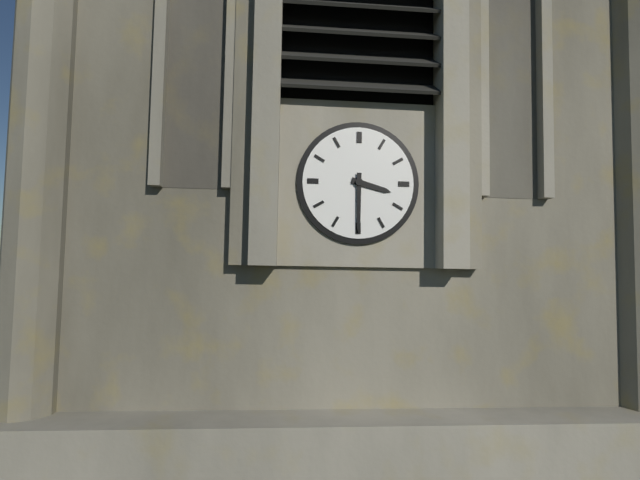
3:30
